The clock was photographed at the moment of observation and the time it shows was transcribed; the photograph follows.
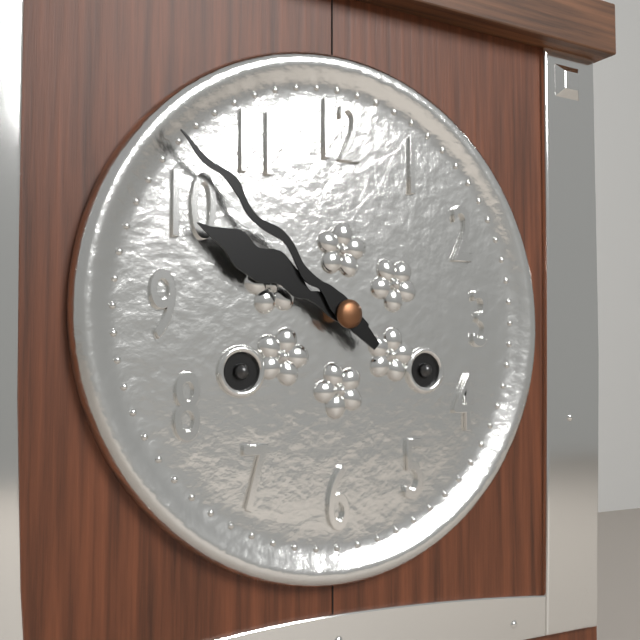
9:52
